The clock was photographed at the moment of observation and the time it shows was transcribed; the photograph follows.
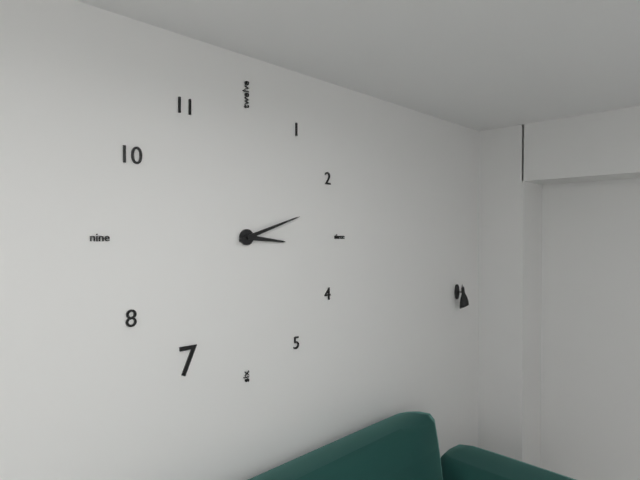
3:12
